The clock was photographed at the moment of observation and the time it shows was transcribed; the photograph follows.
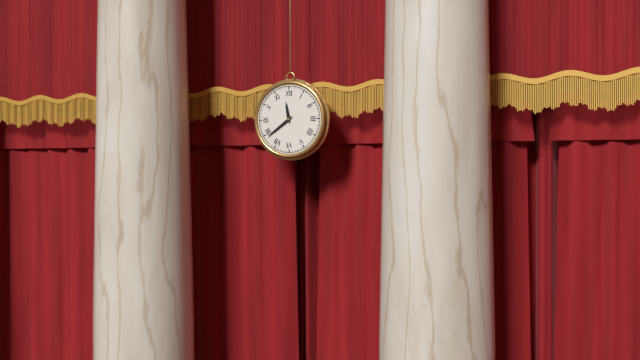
11:39
